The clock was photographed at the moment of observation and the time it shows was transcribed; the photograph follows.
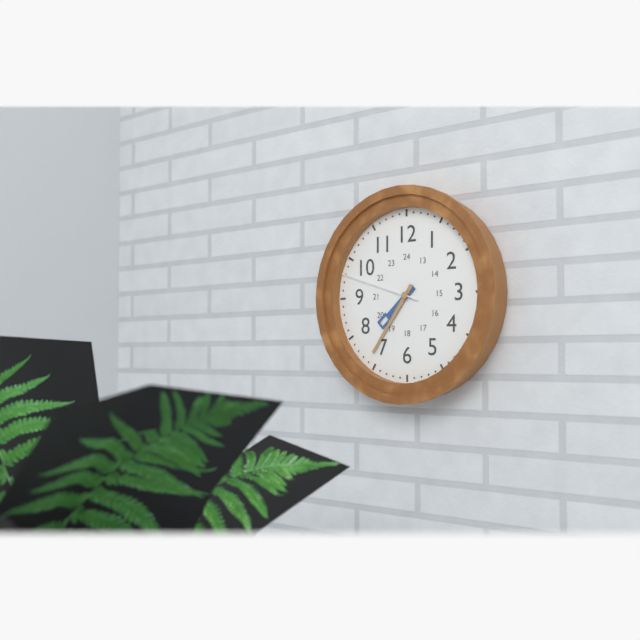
7:36:48
